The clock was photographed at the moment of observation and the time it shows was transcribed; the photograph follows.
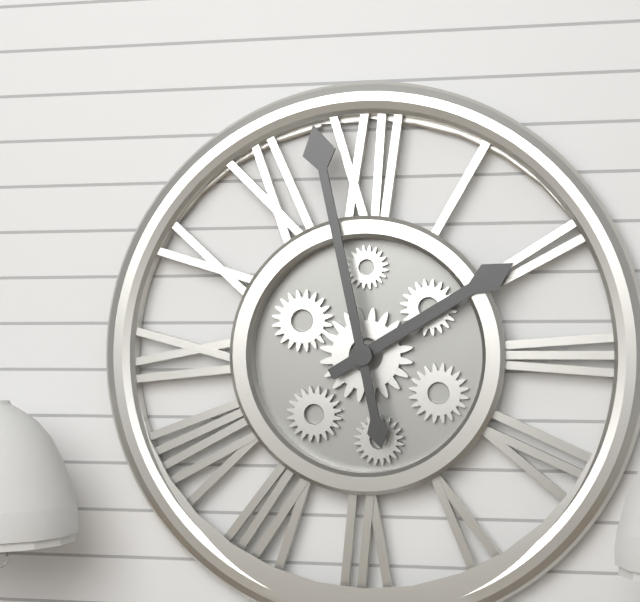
1:58
